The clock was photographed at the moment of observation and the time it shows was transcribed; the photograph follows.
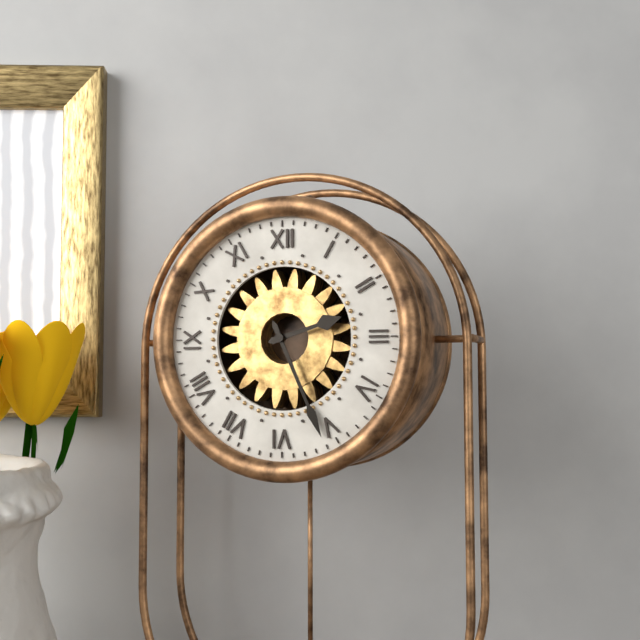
2:26
